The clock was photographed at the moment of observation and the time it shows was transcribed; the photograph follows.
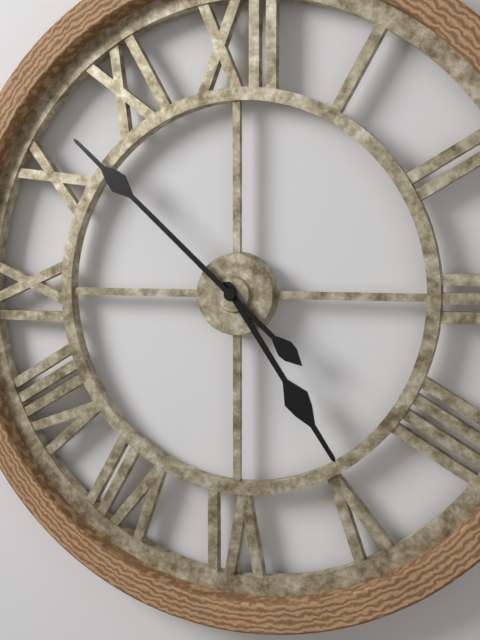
4:52
